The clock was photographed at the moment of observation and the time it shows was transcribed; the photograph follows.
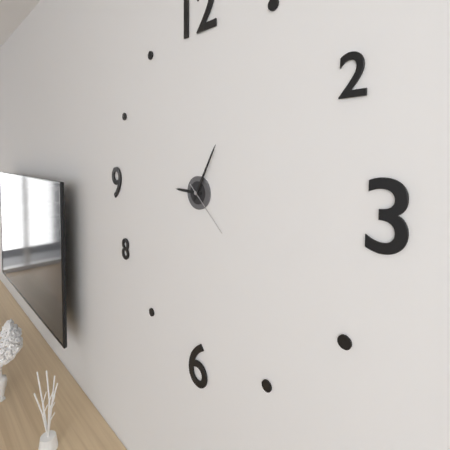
9:05:22
